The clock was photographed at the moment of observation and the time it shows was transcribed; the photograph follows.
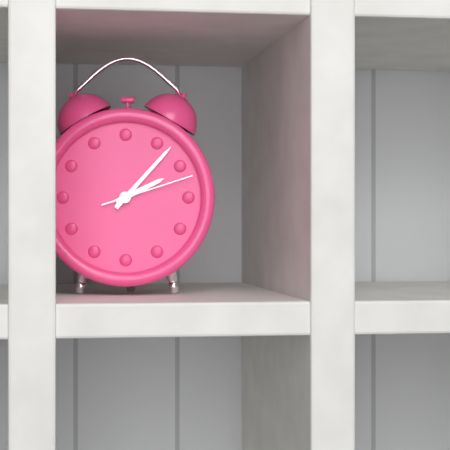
2:07:12
